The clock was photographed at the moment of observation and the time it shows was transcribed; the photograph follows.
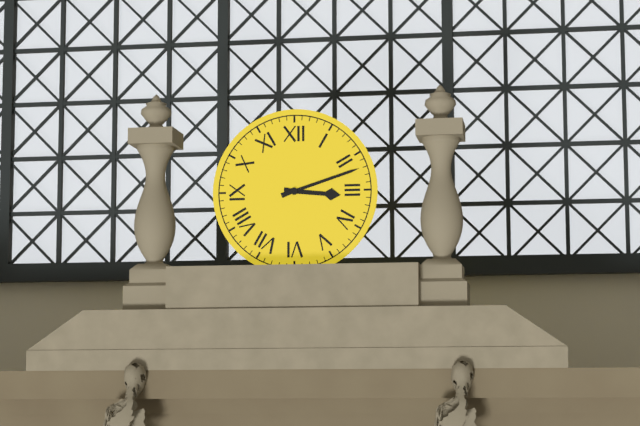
3:12
